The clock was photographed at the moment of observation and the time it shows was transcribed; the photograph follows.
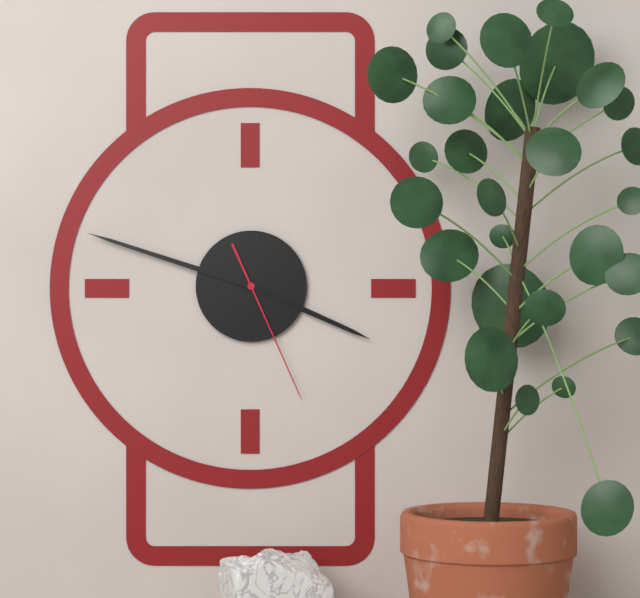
3:48:26
